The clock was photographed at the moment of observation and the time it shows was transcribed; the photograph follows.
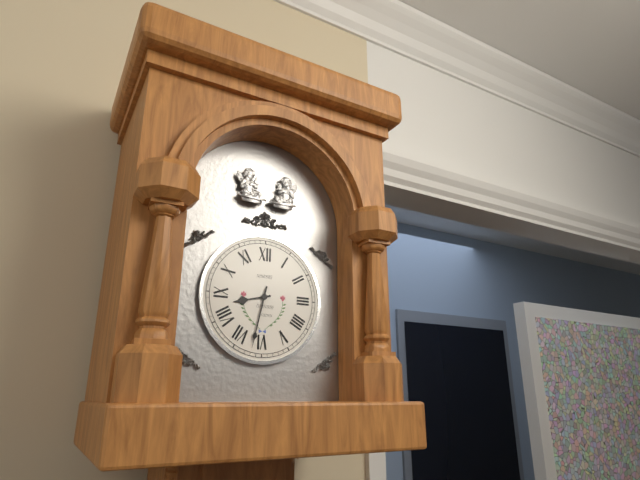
8:32
